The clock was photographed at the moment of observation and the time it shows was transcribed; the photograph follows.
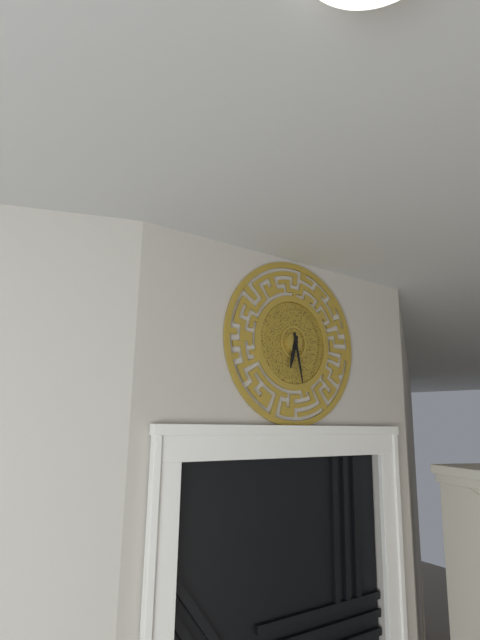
6:28
